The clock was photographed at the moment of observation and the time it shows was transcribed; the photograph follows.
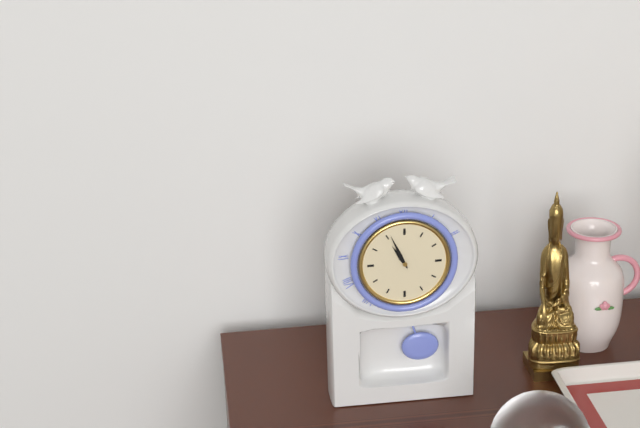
10:56
